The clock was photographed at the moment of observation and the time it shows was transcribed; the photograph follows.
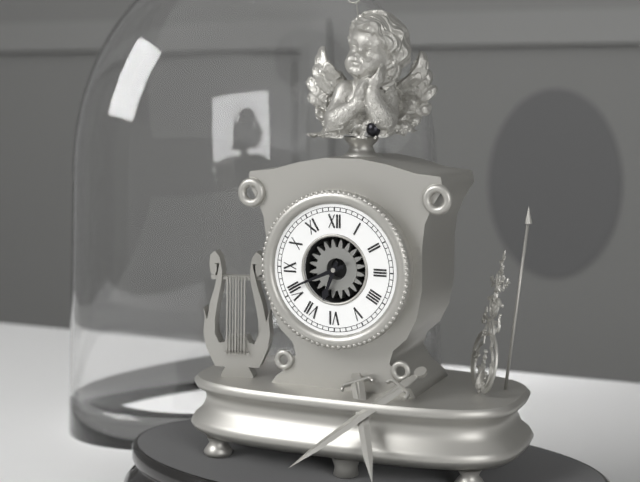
6:41
